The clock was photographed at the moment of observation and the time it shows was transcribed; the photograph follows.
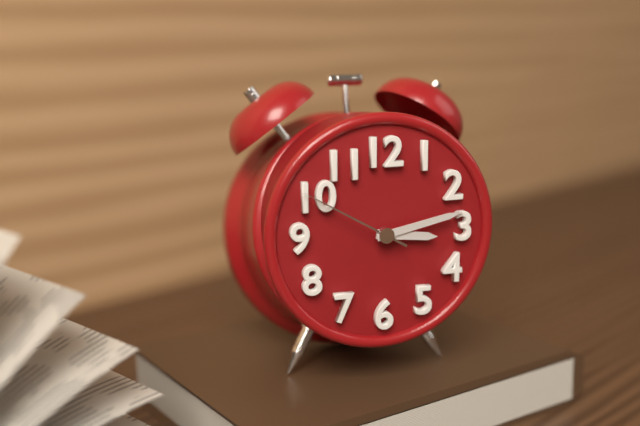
3:13:50
